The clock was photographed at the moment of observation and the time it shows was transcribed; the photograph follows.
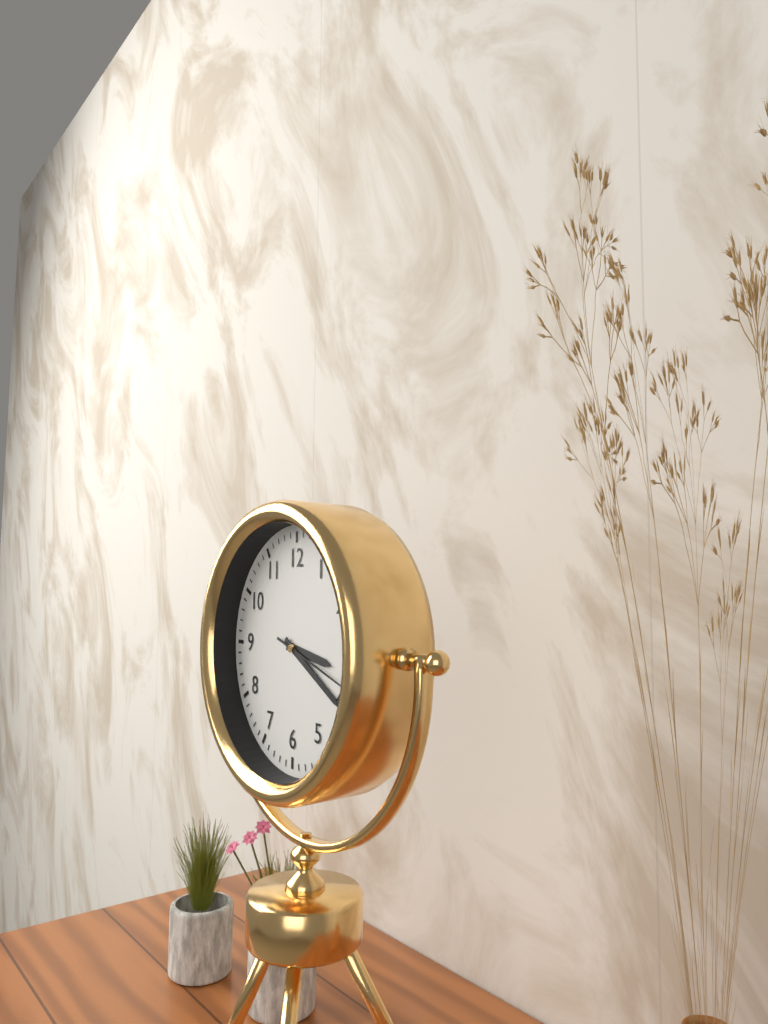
3:20:18
